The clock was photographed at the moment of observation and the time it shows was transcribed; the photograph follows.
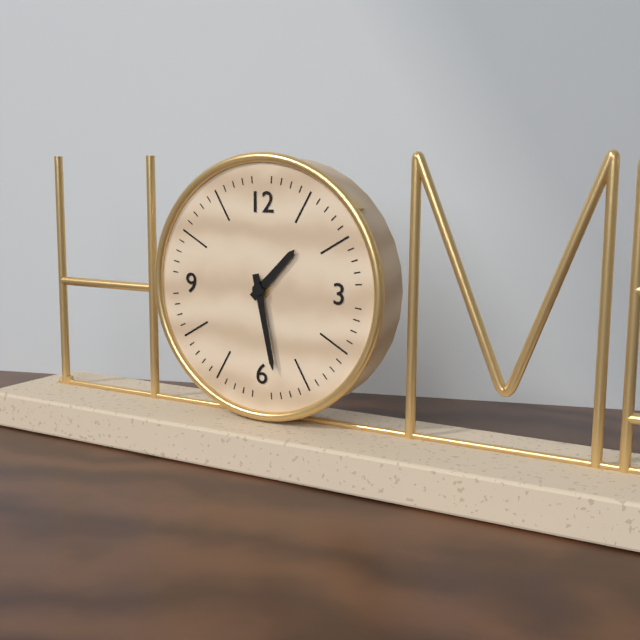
1:28
